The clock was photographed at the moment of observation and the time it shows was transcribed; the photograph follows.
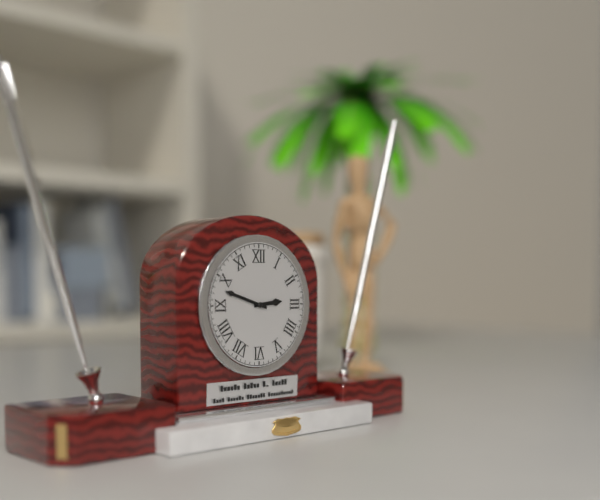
2:48
